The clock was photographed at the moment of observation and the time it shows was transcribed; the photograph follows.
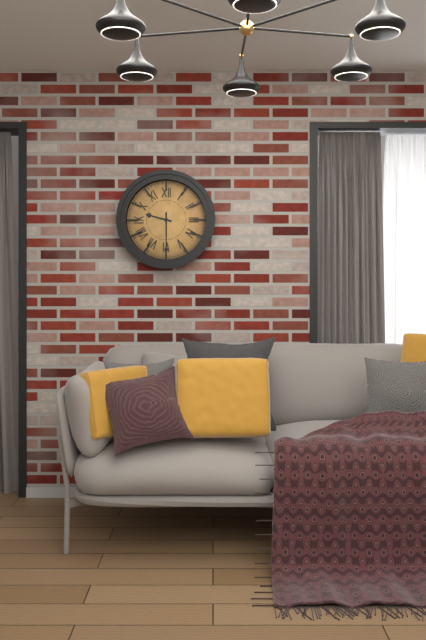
9:30
